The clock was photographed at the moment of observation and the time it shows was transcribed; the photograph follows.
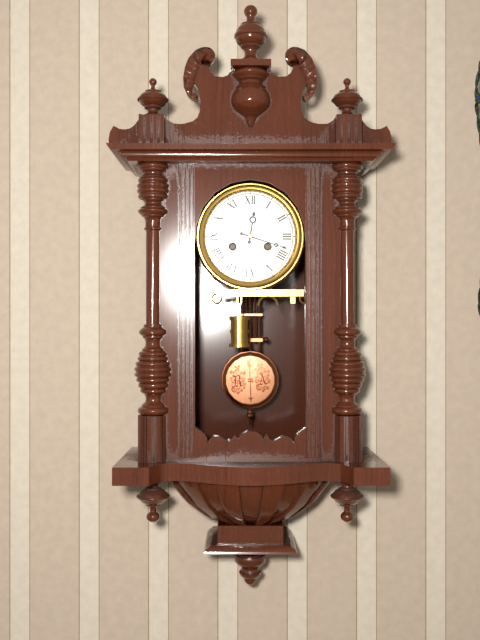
12:18
